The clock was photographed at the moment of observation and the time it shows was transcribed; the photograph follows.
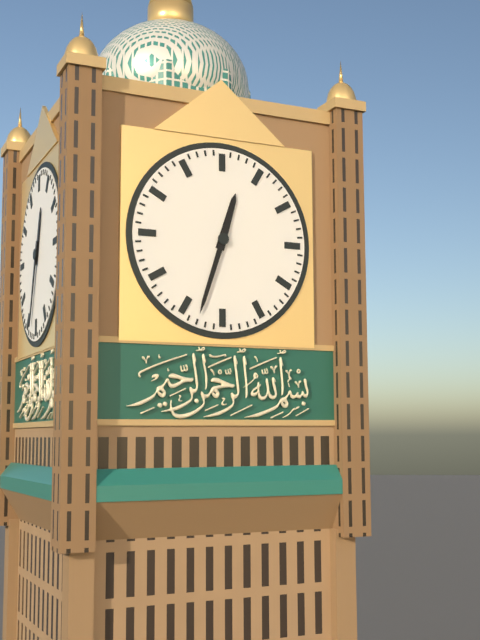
12:33
